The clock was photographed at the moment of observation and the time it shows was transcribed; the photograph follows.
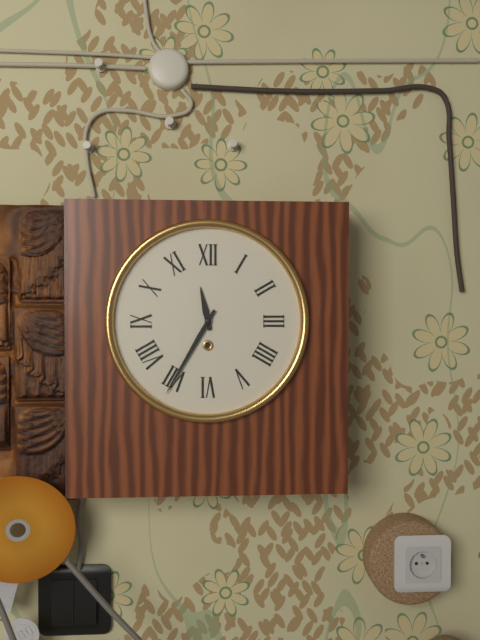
11:35
